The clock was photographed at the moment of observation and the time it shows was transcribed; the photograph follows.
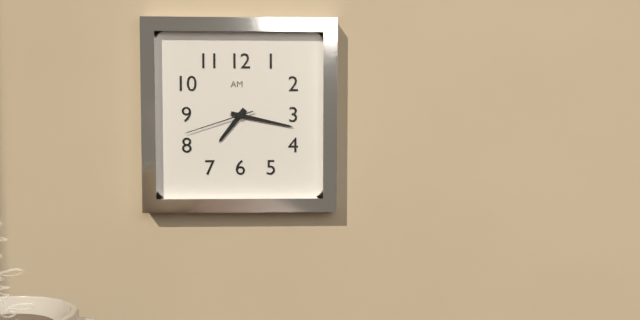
7:17:42
